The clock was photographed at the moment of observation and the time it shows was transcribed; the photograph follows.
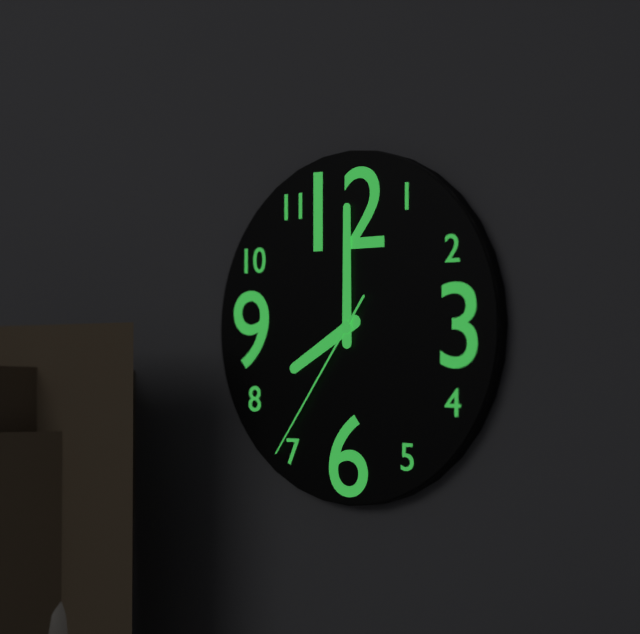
8:00:36
